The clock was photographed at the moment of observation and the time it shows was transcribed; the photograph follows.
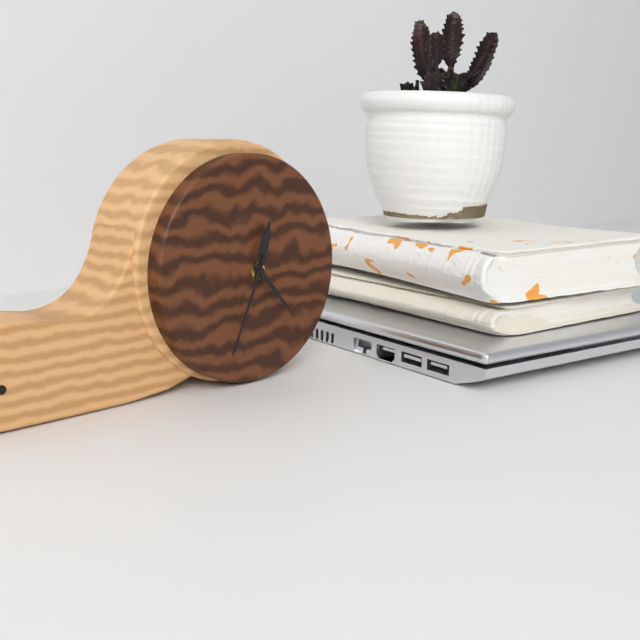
12:34:23
